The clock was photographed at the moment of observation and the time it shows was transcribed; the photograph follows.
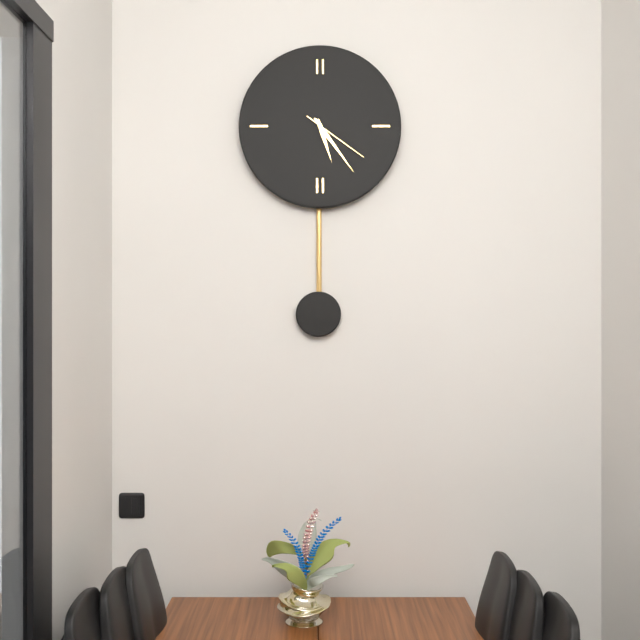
5:24:21
